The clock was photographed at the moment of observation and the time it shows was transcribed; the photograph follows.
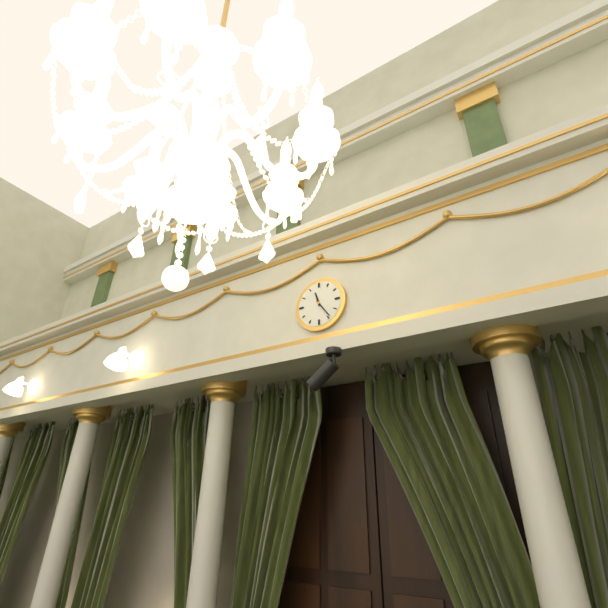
11:24
